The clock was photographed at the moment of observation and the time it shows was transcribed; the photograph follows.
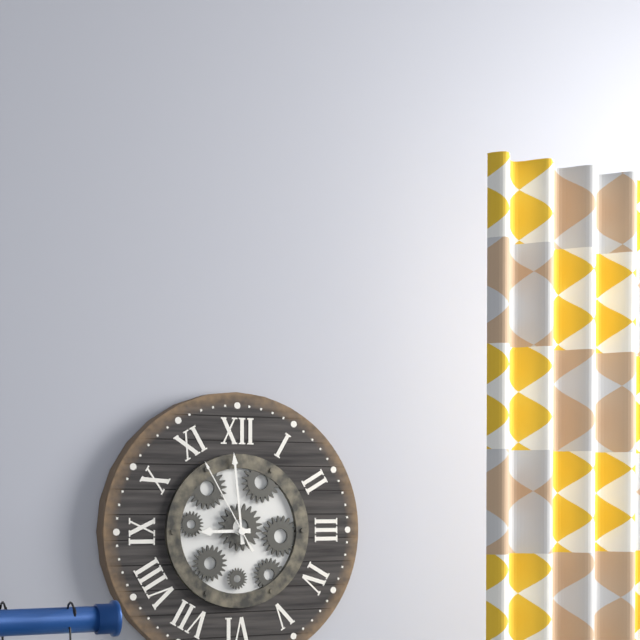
8:59:55
